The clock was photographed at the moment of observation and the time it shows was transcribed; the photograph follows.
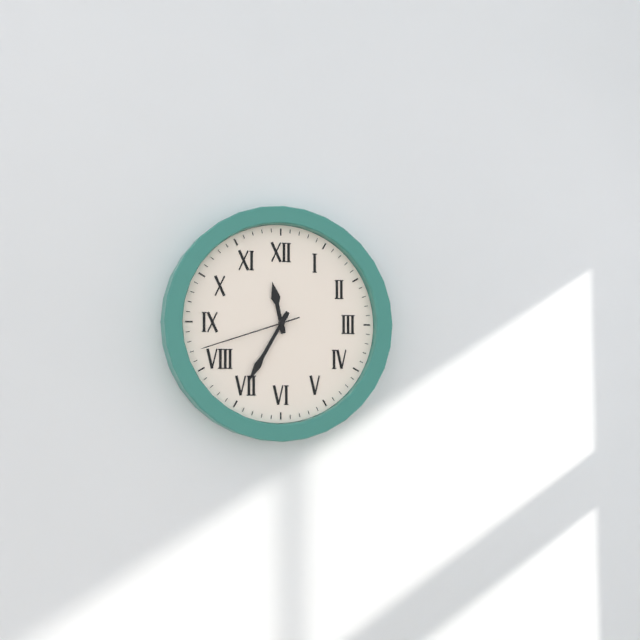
11:35:42
